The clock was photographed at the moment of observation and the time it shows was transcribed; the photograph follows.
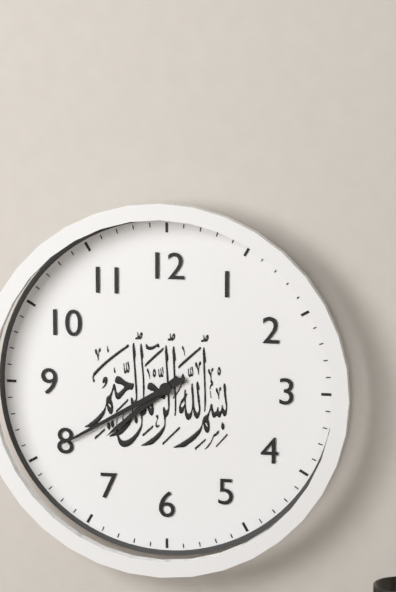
7:40
